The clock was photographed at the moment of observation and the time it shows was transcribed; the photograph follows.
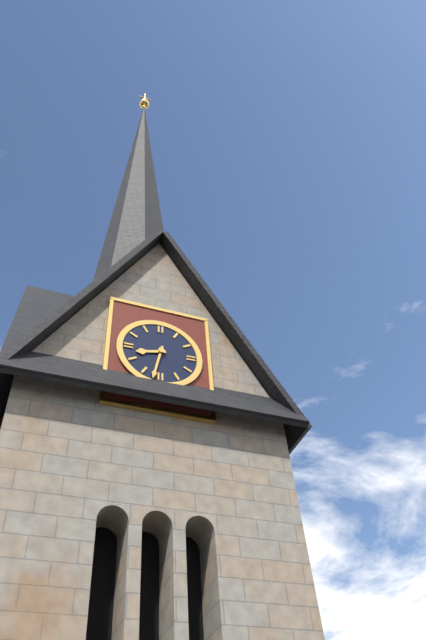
8:32
